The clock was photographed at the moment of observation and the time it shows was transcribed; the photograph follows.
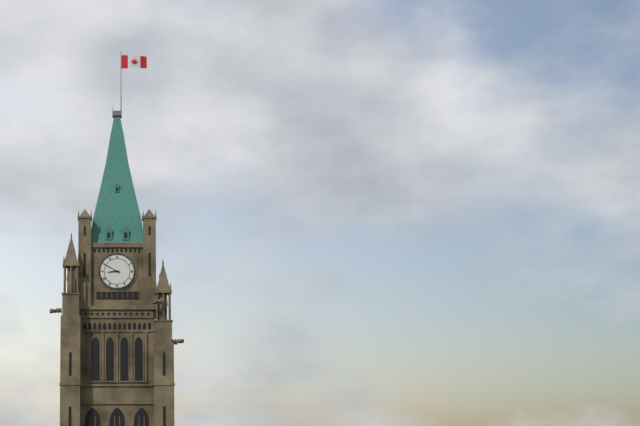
8:50
